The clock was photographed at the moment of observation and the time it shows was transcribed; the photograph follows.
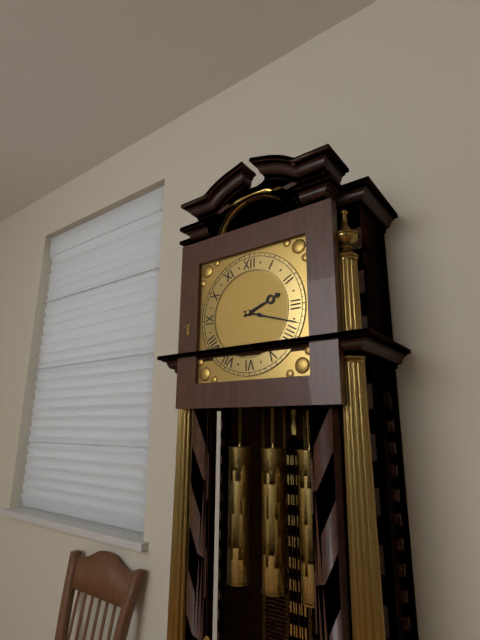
2:18
